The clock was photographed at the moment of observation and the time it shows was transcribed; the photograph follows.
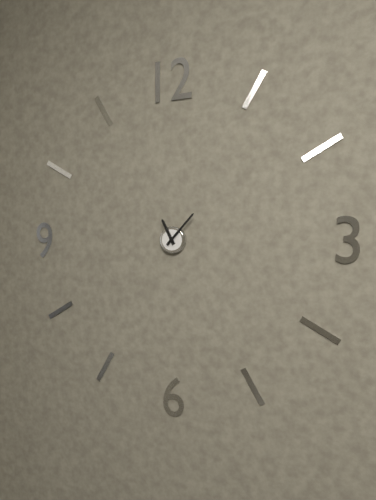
11:07
